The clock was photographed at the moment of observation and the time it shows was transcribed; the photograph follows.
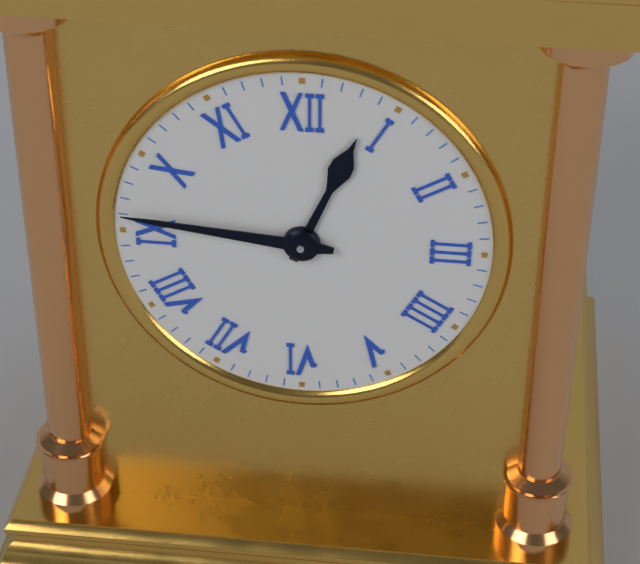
12:46
